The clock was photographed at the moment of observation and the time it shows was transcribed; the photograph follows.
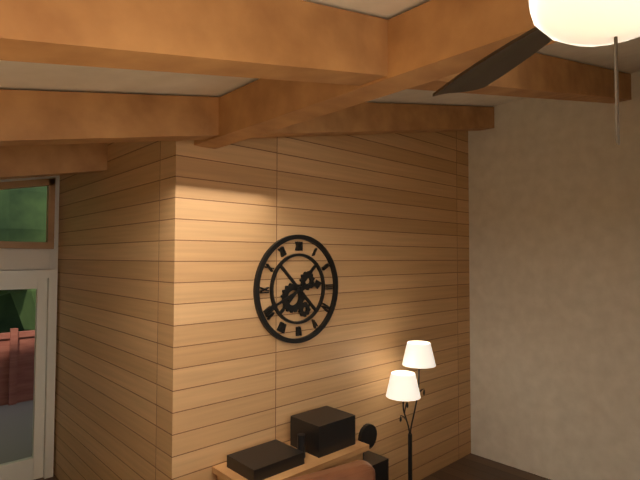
2:41
